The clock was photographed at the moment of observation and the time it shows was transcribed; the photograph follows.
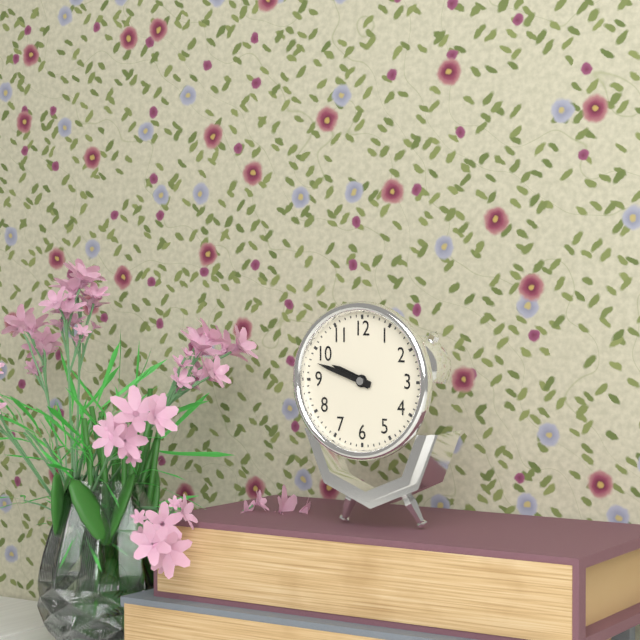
9:48
